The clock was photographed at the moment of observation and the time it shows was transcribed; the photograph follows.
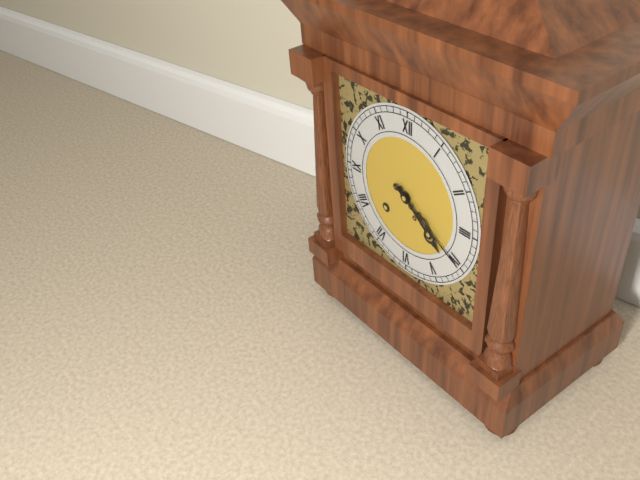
4:20
